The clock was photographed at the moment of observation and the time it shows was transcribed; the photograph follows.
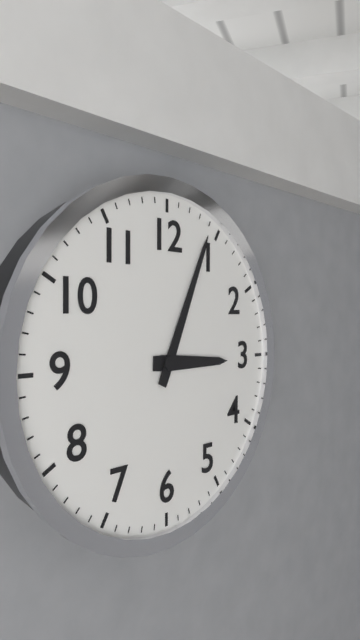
3:04
